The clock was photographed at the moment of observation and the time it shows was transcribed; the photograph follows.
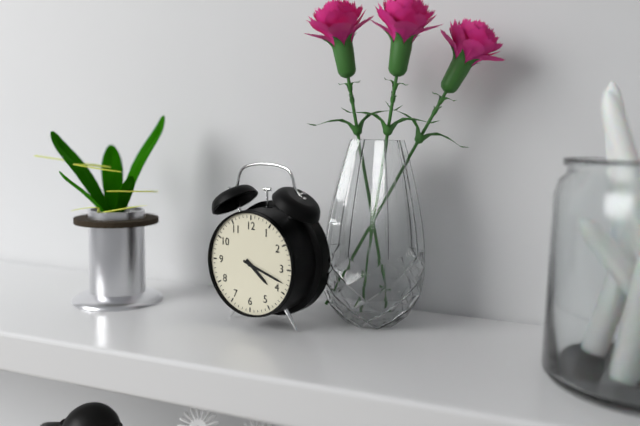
4:18
